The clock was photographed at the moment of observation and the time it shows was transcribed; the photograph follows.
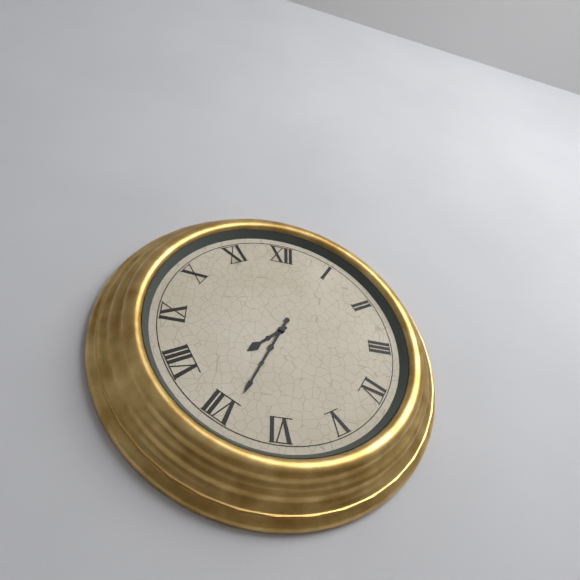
7:34
